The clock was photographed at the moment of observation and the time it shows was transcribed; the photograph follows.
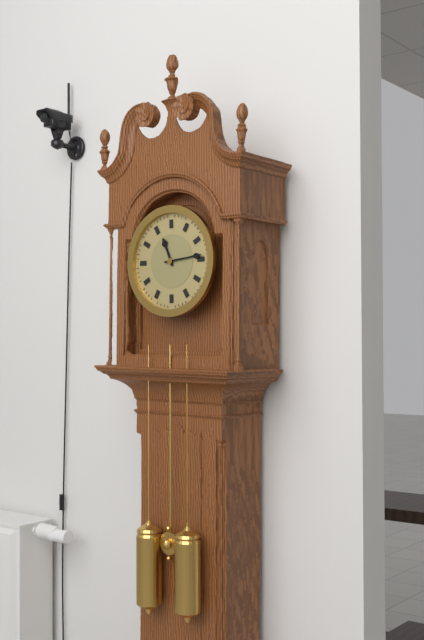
11:14
